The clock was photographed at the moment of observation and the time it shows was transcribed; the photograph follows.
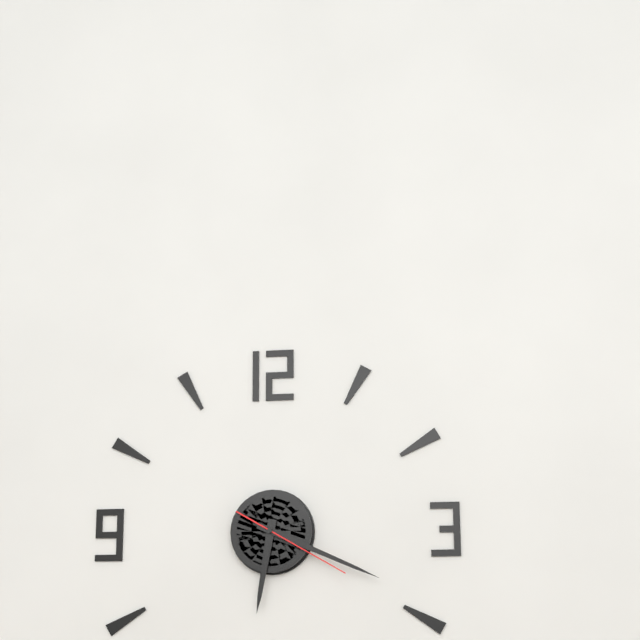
6:19:20
